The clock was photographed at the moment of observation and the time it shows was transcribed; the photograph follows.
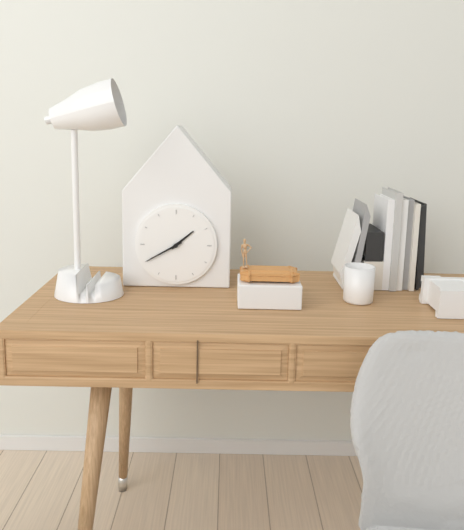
1:40
